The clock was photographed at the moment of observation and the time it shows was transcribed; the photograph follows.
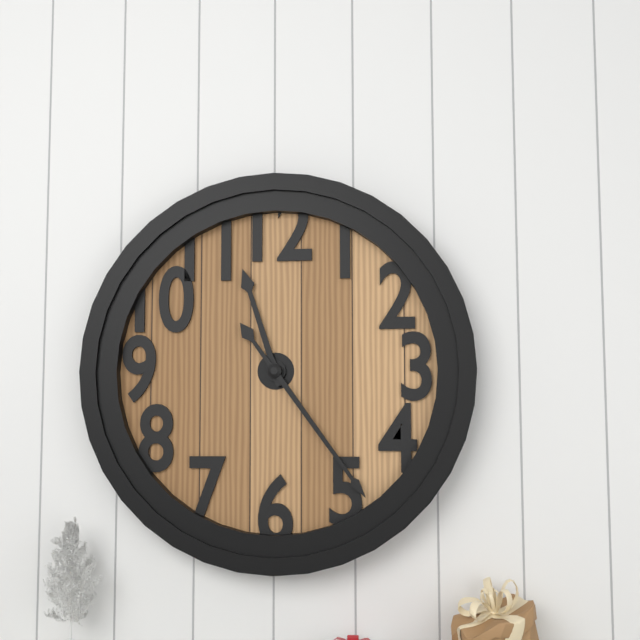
11:24
